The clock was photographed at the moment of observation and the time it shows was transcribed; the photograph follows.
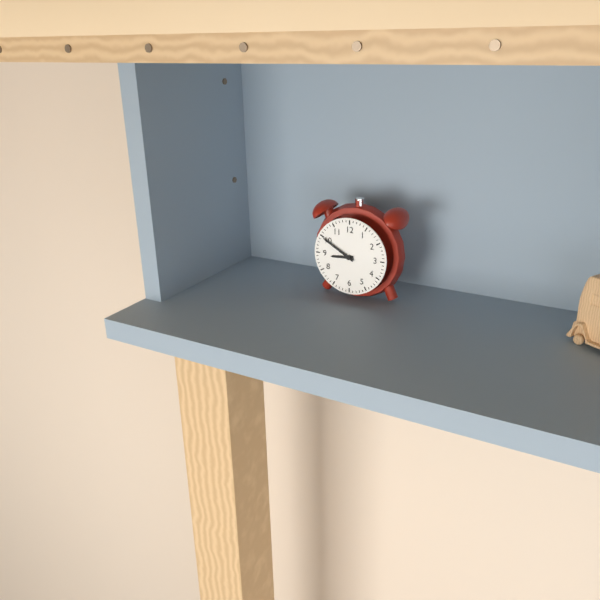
8:50
